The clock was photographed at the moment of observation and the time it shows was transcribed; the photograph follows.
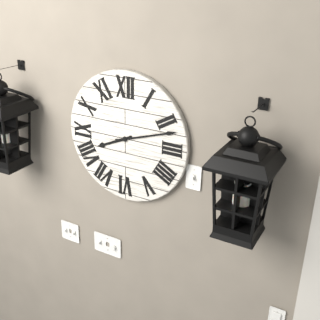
8:12
